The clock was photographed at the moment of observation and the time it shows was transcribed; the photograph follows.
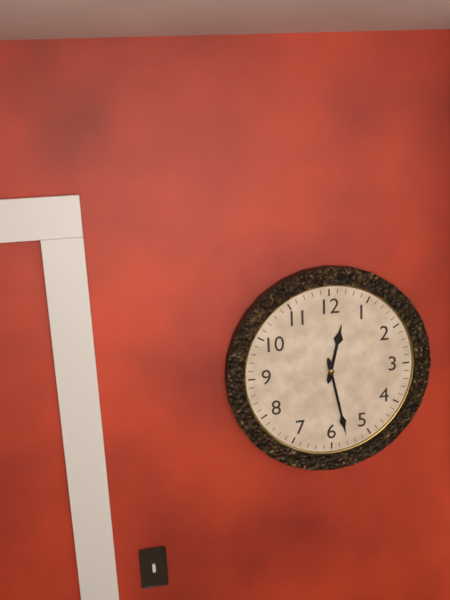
12:28
